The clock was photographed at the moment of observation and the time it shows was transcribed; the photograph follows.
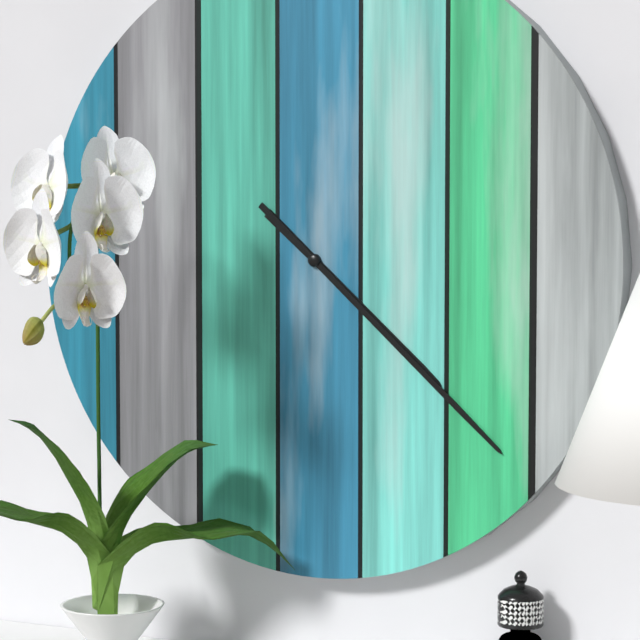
4:22
